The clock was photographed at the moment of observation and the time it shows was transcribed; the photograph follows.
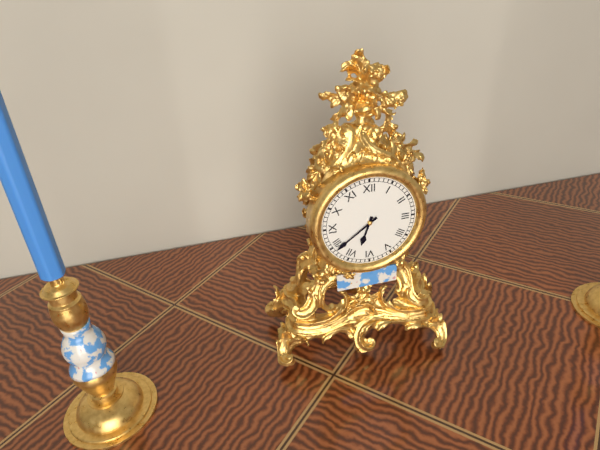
6:39
